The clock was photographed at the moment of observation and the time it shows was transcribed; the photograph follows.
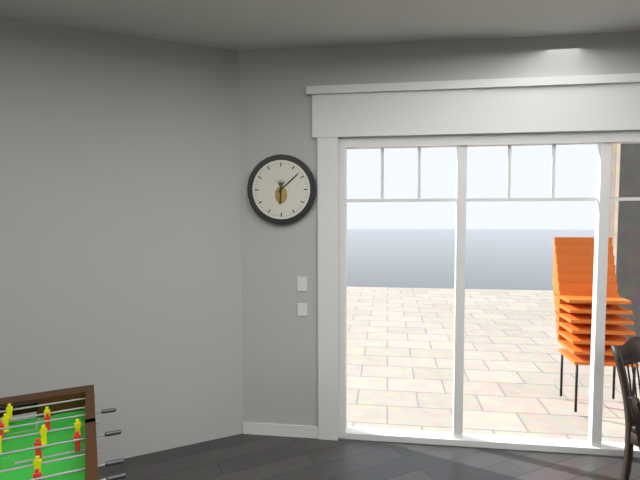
6:08
